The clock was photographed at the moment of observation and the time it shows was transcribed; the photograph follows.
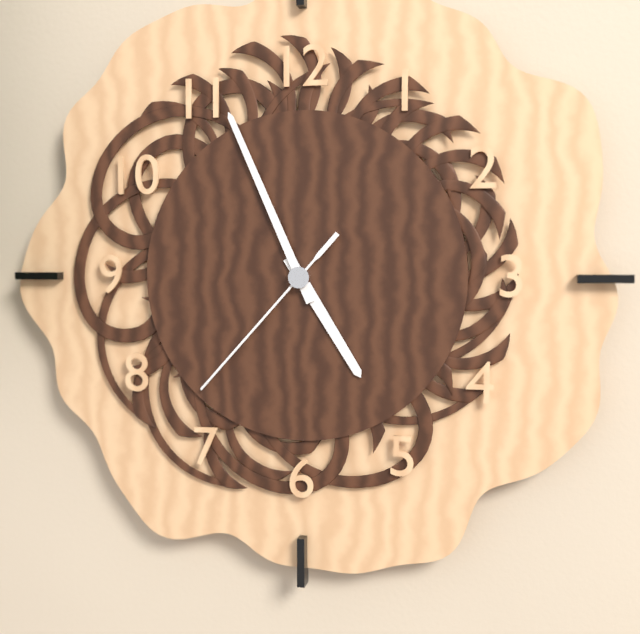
4:56:37
